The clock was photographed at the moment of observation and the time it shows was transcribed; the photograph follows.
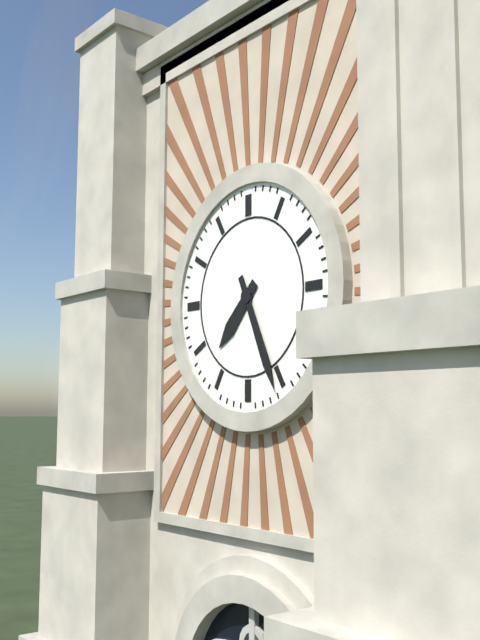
7:26
